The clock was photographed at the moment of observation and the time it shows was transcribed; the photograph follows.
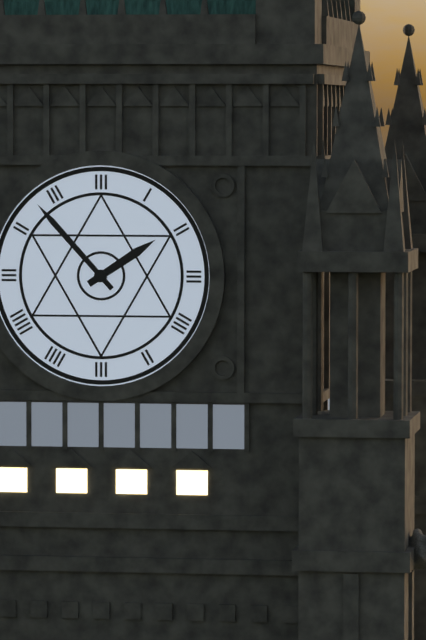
1:53
